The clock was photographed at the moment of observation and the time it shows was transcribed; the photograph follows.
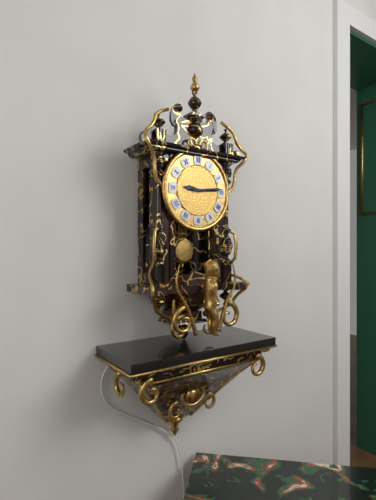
9:14
